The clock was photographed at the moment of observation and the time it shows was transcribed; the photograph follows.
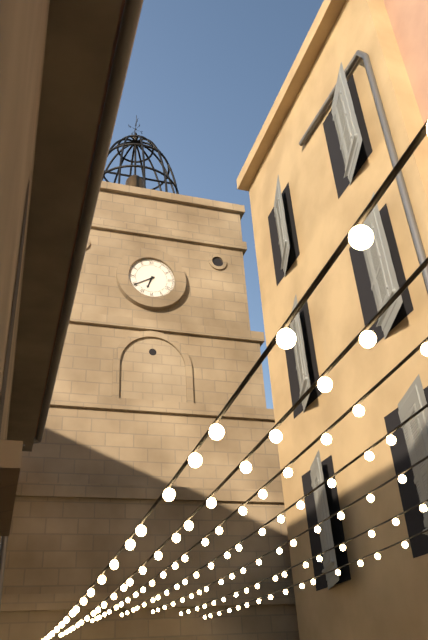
6:40
